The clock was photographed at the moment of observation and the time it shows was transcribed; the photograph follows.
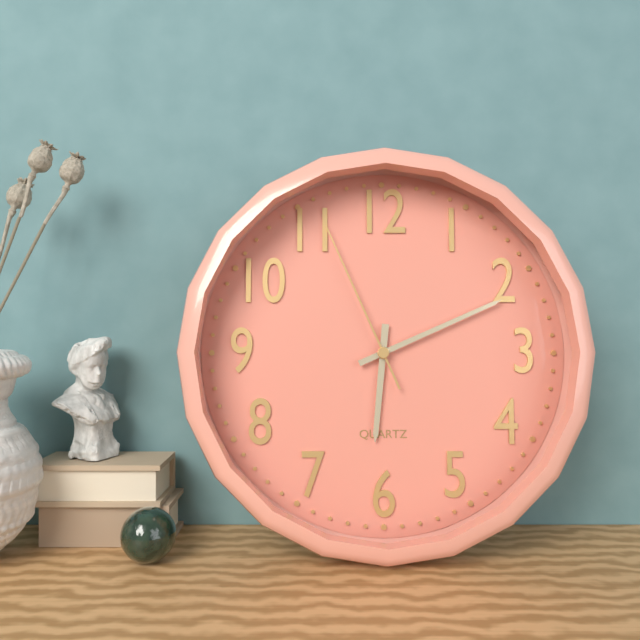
6:11:56
